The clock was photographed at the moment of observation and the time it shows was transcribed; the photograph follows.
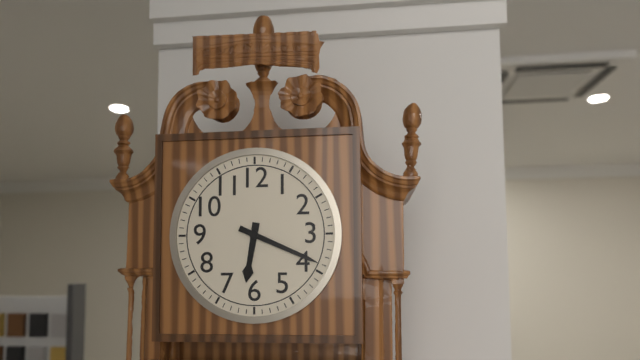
6:19
